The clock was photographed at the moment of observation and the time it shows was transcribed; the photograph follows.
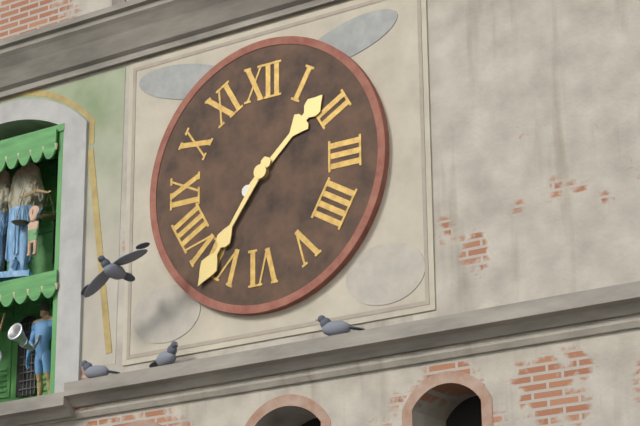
1:36
